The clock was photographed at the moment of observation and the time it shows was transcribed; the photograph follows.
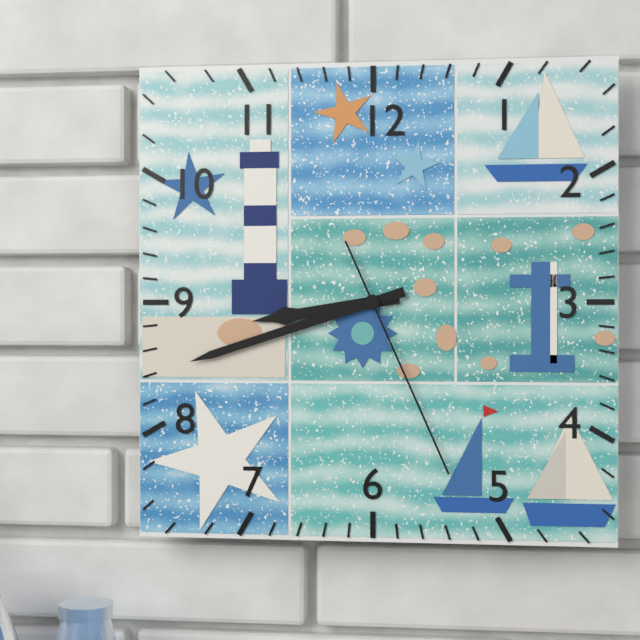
8:42:26
